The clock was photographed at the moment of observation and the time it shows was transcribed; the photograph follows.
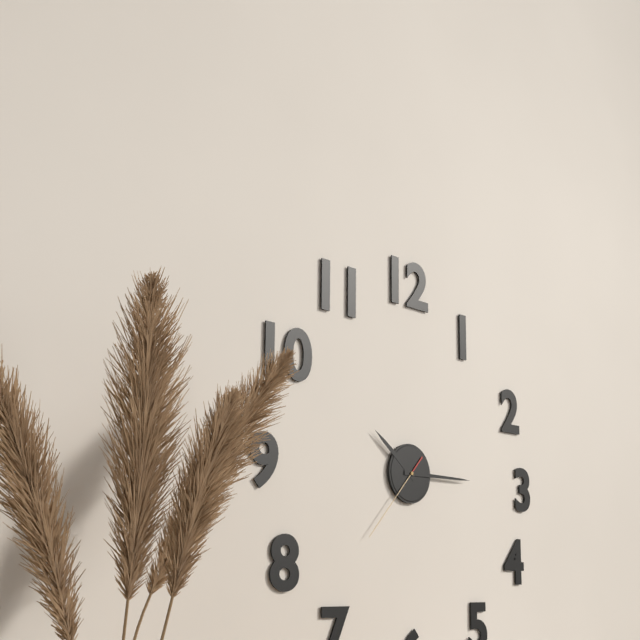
10:15:37
